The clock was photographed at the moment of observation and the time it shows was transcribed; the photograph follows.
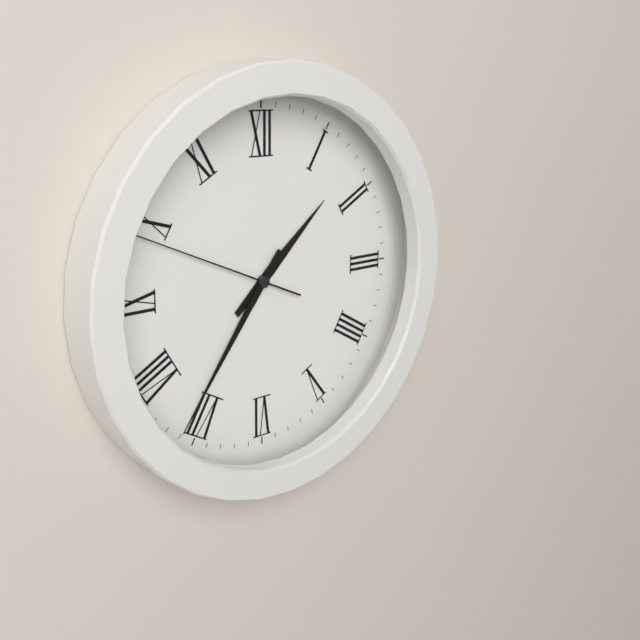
1:36:49
